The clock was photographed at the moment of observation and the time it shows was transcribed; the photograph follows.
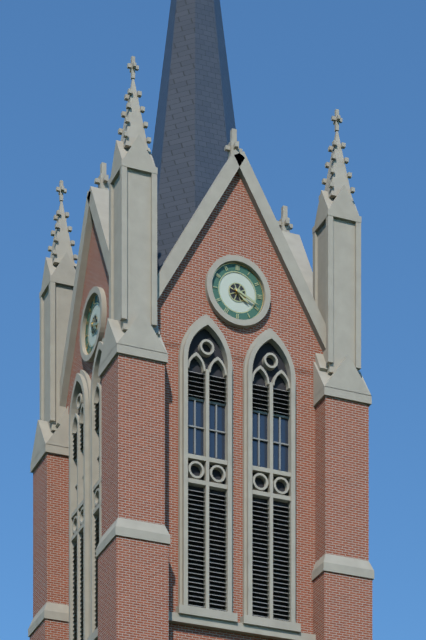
4:19
